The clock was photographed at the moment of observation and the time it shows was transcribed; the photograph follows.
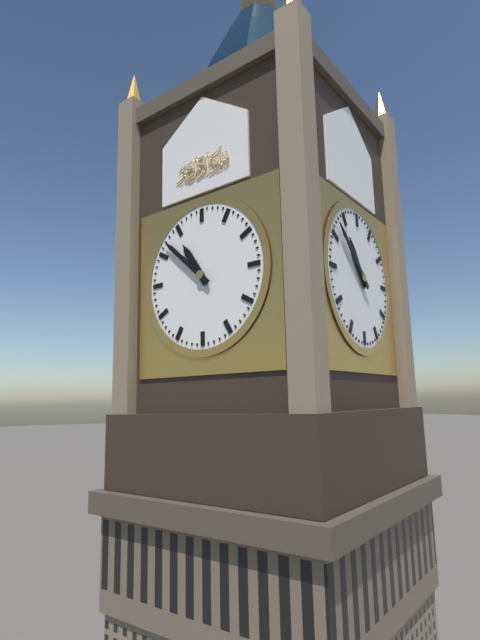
10:52
